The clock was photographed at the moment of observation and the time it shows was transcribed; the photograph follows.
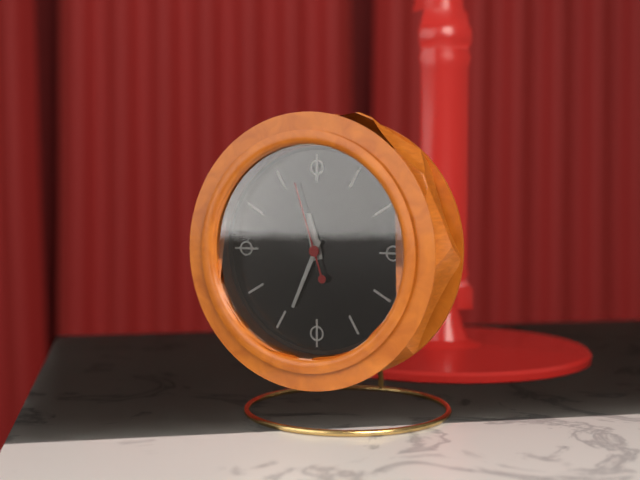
11:34:57
